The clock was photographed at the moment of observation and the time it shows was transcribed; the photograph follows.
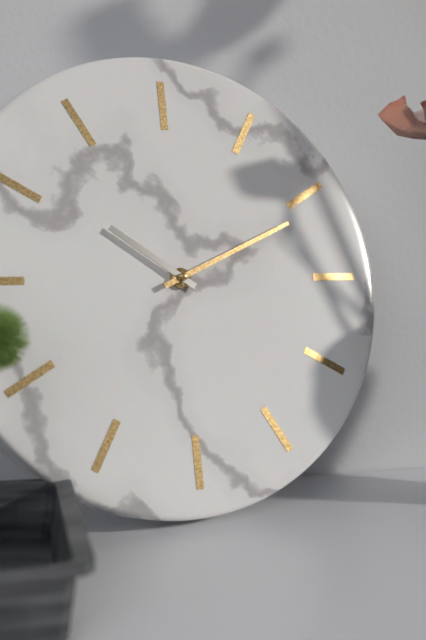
10:11
